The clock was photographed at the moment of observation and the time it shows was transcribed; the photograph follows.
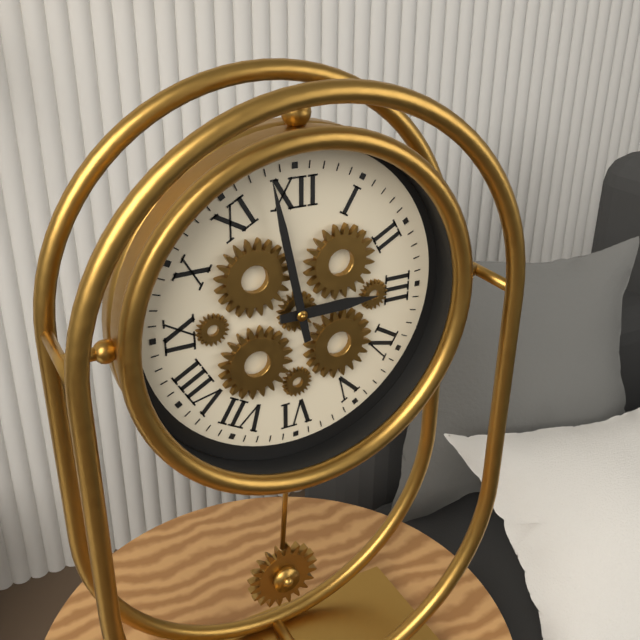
2:58
